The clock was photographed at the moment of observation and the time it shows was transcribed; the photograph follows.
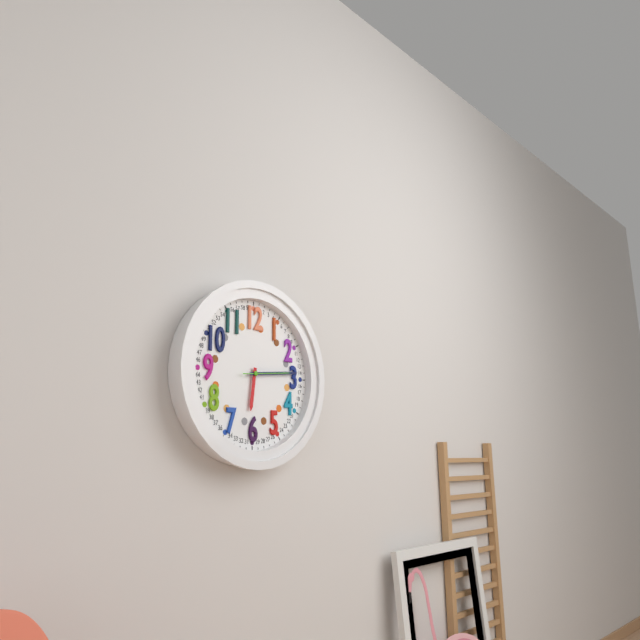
6:14
